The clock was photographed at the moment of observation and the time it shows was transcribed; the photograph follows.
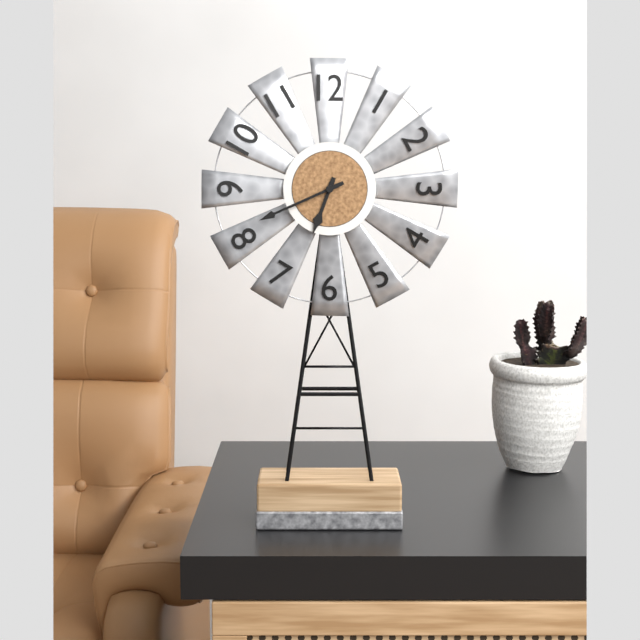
6:41
